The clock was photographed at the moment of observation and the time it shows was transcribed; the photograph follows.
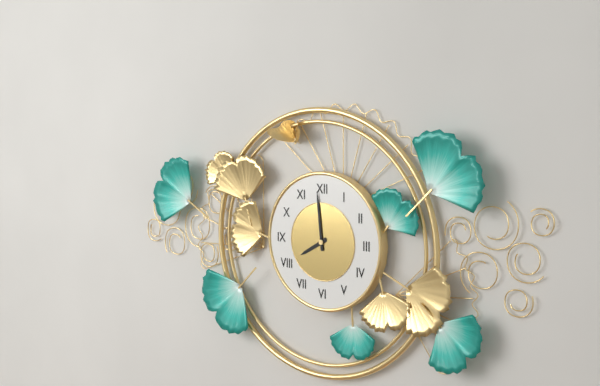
7:59
